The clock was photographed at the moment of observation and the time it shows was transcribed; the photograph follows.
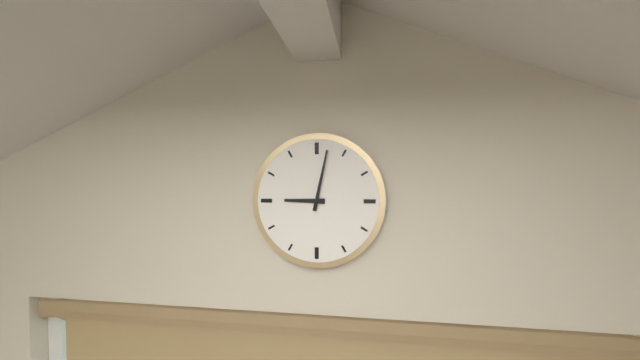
9:02
